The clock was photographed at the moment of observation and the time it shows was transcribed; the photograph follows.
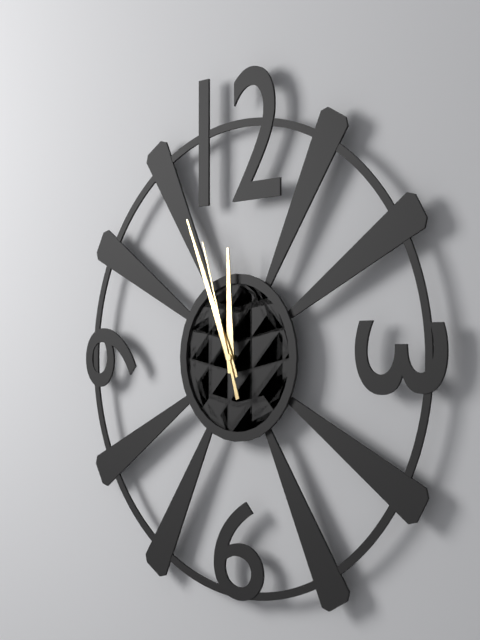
11:56:57
